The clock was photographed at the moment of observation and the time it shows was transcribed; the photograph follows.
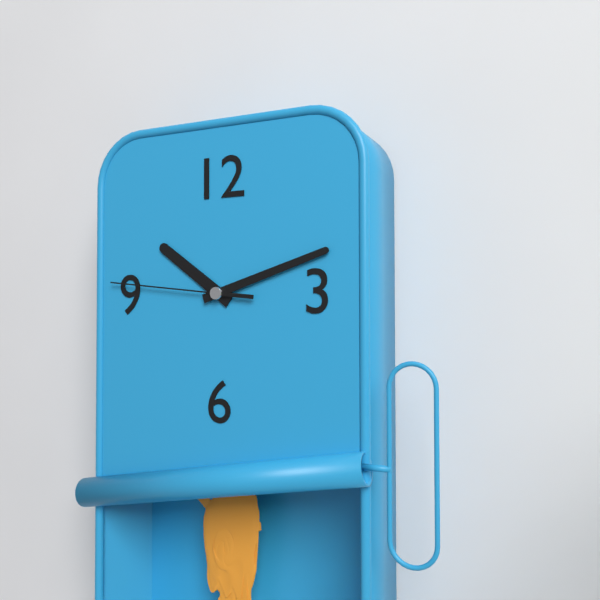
10:12:46
